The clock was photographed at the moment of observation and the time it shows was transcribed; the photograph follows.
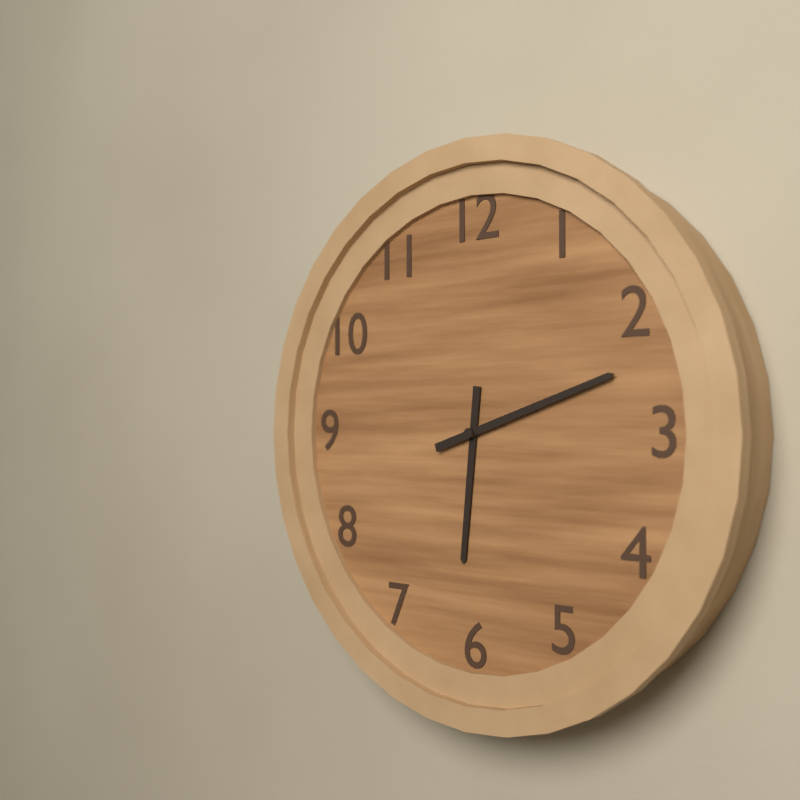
6:12
